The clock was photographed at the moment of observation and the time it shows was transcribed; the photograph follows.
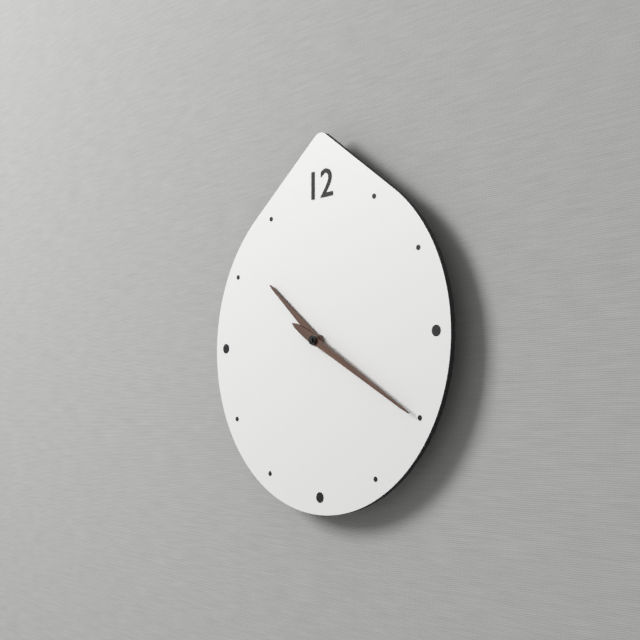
10:20
